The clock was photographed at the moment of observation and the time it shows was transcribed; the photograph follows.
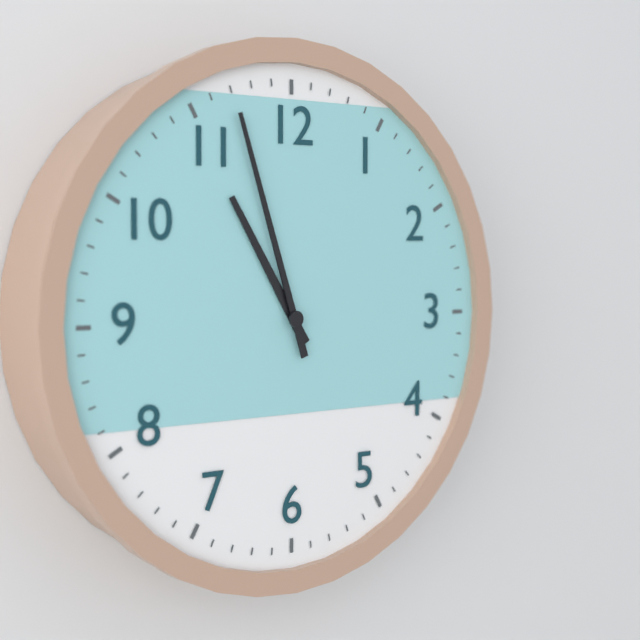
10:57
